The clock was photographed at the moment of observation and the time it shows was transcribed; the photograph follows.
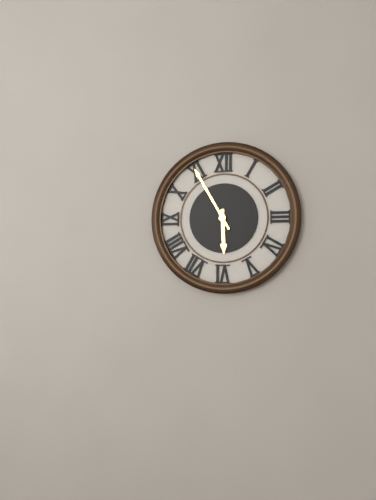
5:55
